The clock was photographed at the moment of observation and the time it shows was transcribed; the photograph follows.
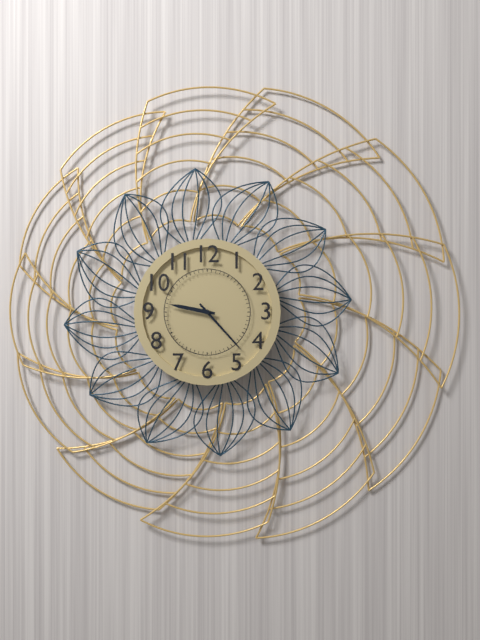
9:23
